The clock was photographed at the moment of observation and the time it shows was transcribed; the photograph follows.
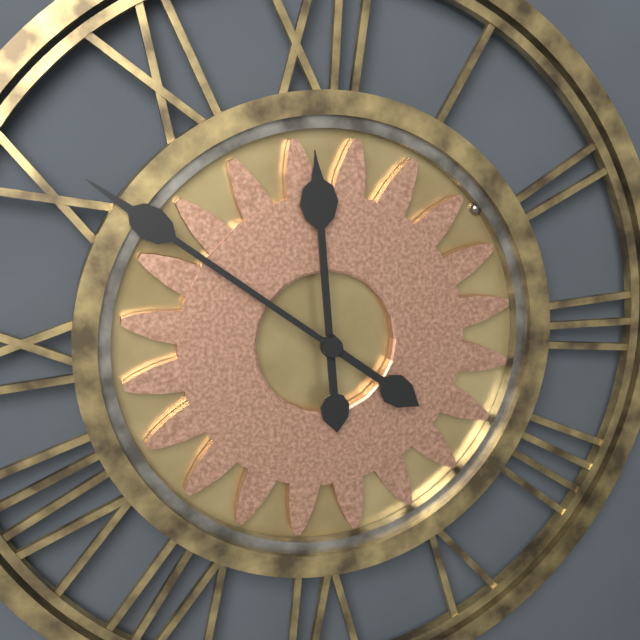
11:51
